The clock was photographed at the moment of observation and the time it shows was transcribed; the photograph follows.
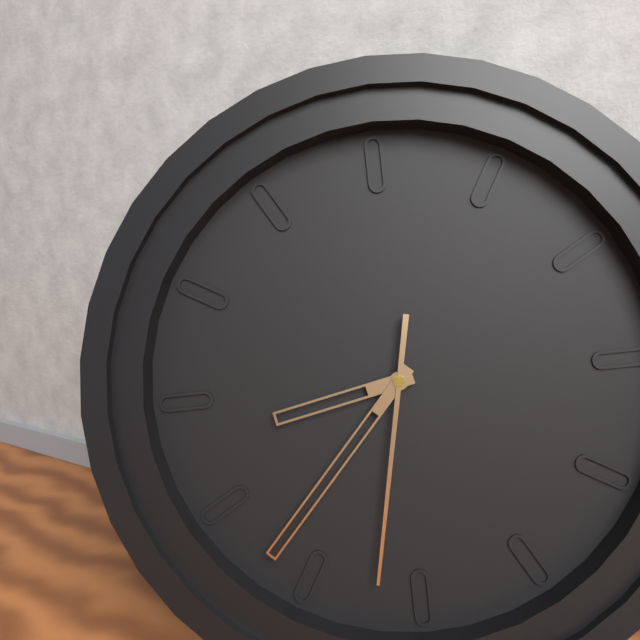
8:37:32
